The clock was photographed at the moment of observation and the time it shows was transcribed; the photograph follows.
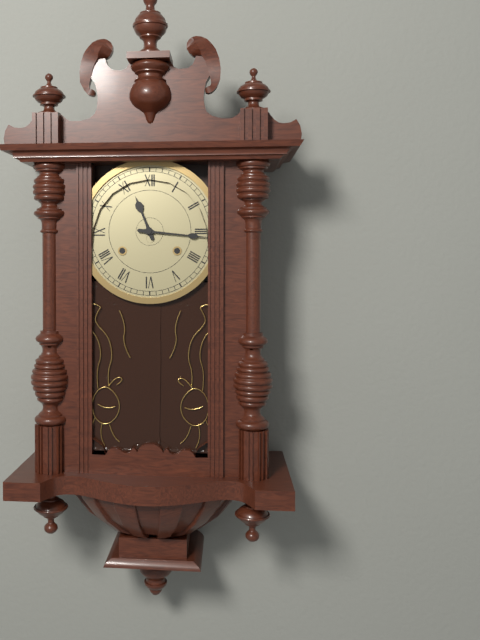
11:16
